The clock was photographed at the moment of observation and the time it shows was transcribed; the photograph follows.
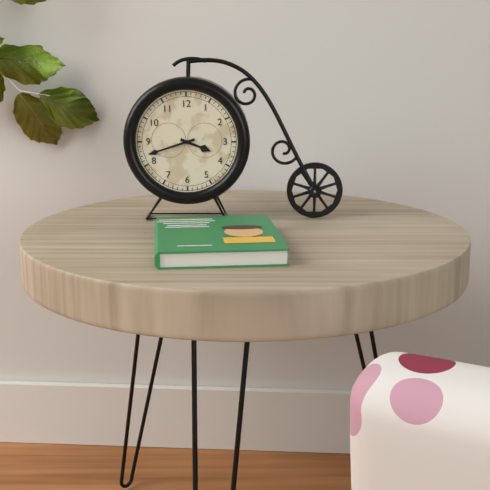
3:42
